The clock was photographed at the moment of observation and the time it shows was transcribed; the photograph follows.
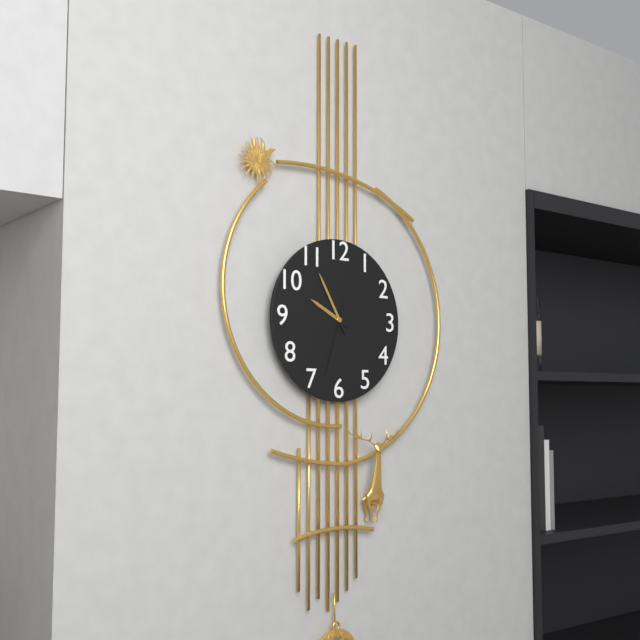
9:55:33
